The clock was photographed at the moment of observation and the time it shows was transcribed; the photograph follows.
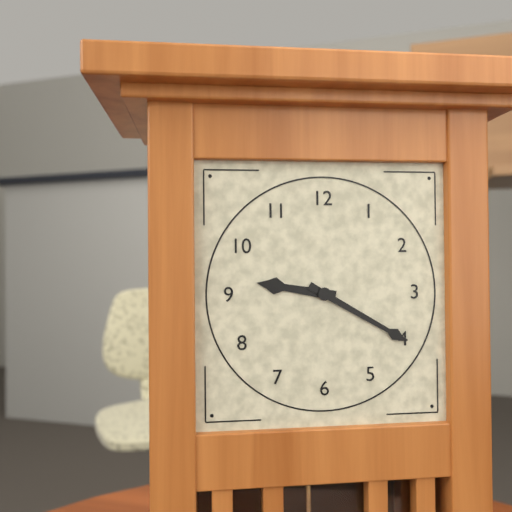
9:20
